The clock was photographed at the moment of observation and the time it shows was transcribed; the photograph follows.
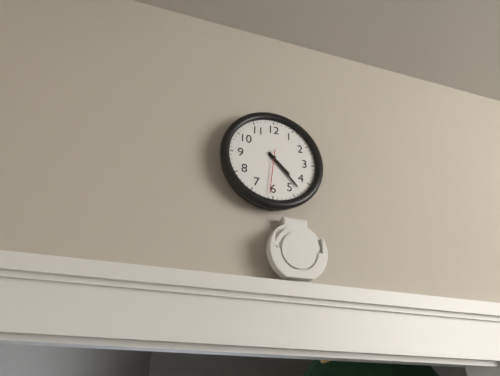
4:23
